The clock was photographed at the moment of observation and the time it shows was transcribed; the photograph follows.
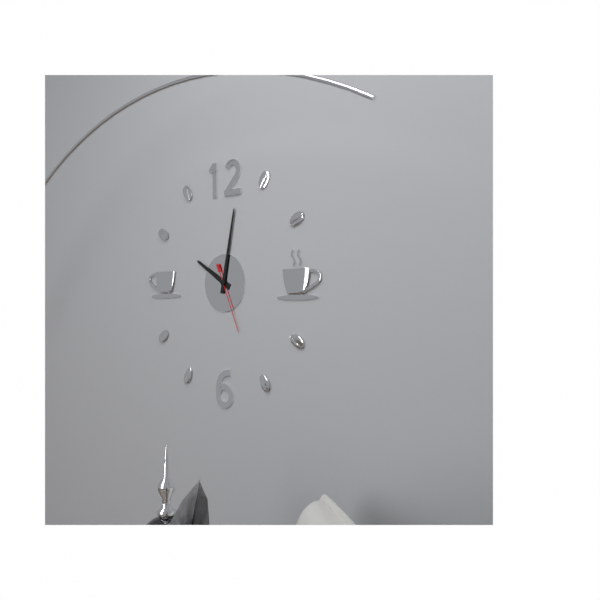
10:02:26
